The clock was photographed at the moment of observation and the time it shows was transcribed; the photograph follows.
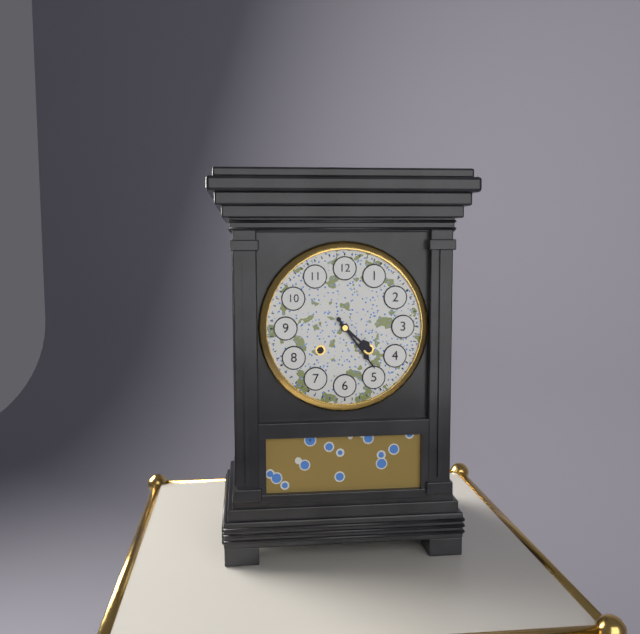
4:24
